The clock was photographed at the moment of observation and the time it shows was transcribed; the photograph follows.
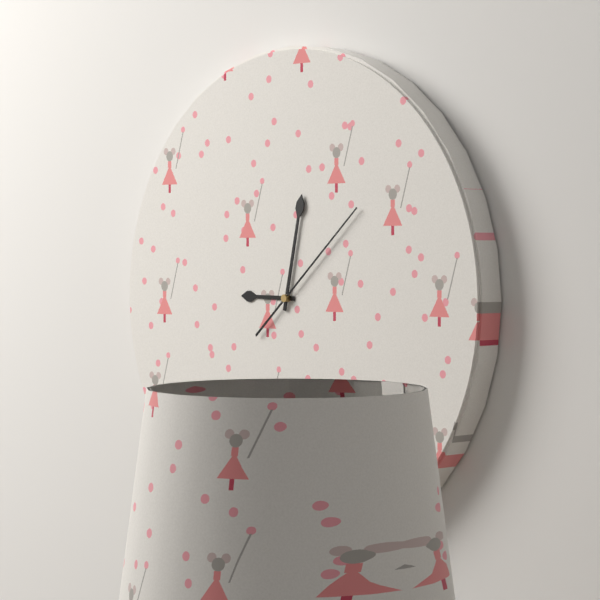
9:02:08
